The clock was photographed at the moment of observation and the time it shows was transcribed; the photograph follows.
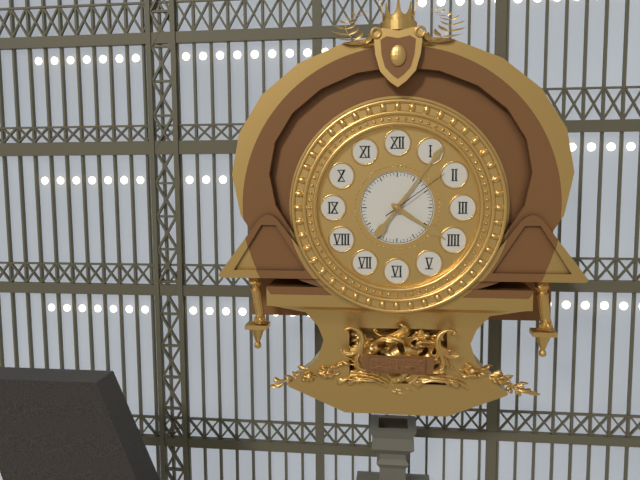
4:06:09
